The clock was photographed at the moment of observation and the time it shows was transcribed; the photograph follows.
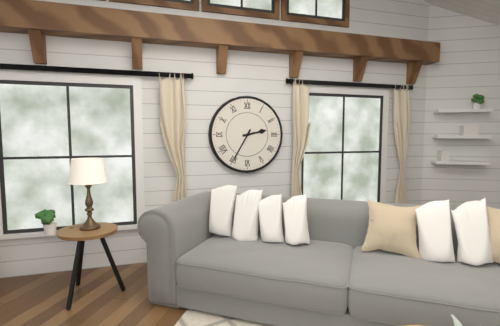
2:35
